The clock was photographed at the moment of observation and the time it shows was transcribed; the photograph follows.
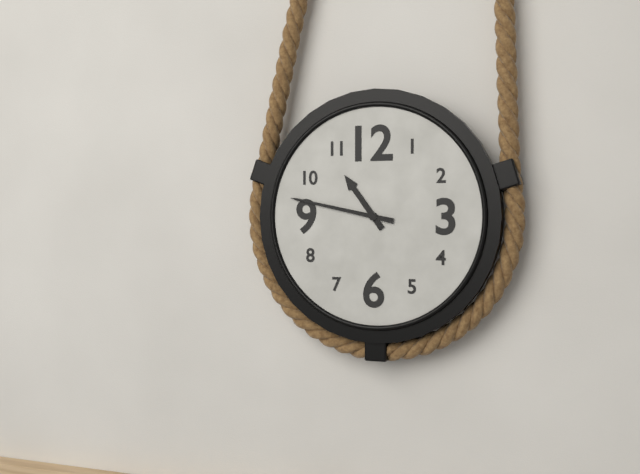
10:47
